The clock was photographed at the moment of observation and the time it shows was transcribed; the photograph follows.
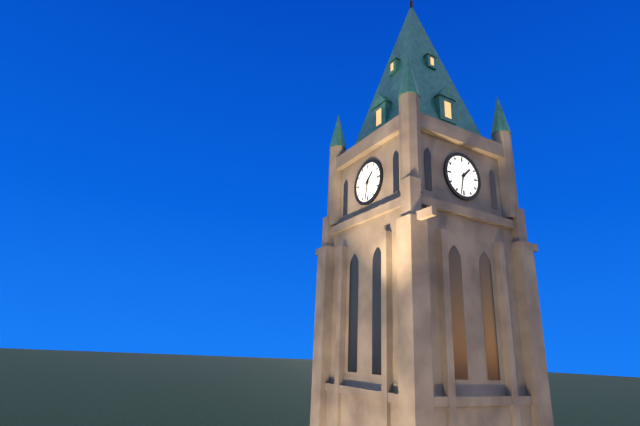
1:32
